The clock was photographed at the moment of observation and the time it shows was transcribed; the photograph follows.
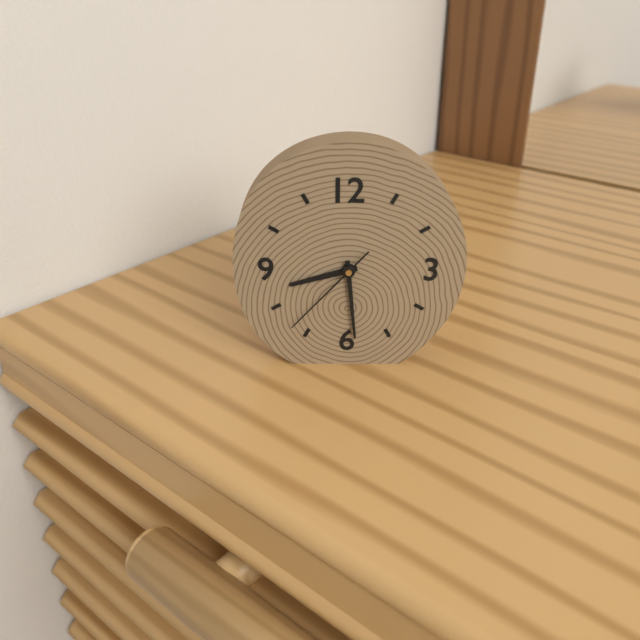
8:29:37
